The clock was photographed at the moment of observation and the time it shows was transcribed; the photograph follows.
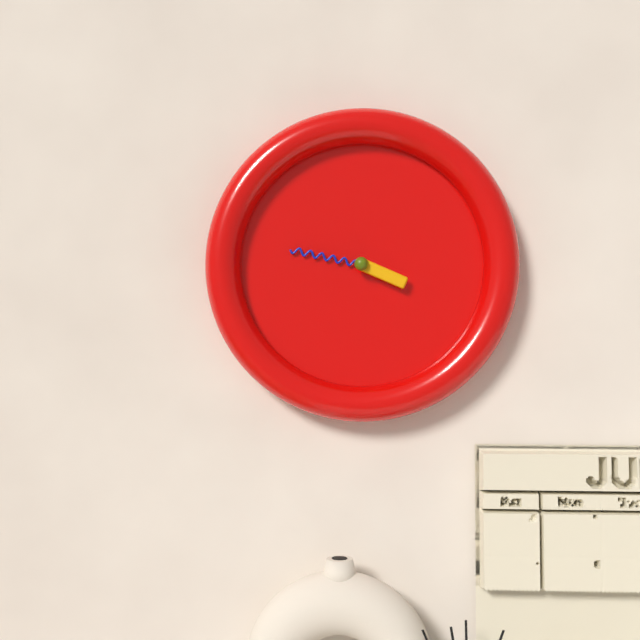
3:47
